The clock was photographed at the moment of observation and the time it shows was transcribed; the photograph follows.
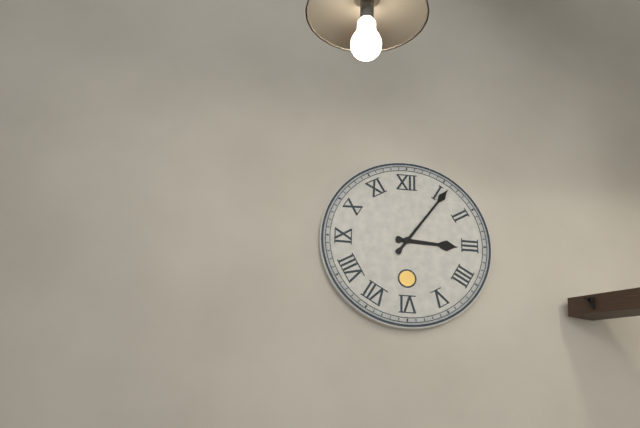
3:06
